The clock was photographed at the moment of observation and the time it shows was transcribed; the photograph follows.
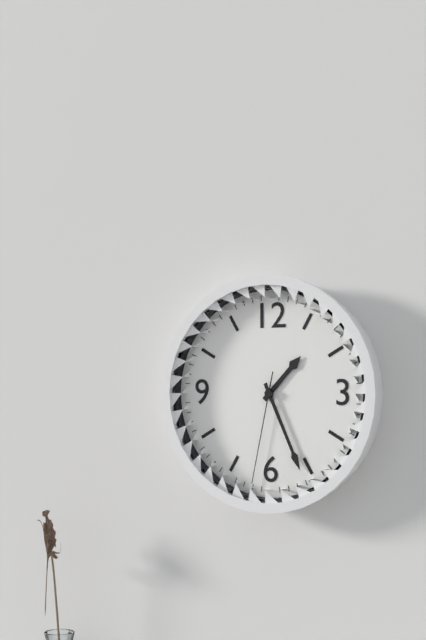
1:26:32
